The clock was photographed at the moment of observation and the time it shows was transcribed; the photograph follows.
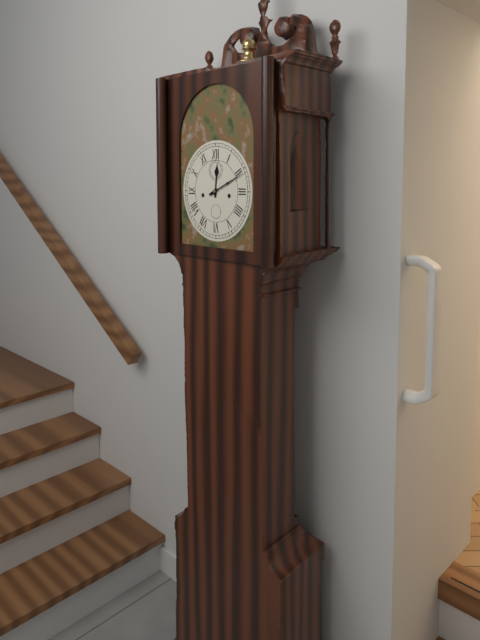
12:11
